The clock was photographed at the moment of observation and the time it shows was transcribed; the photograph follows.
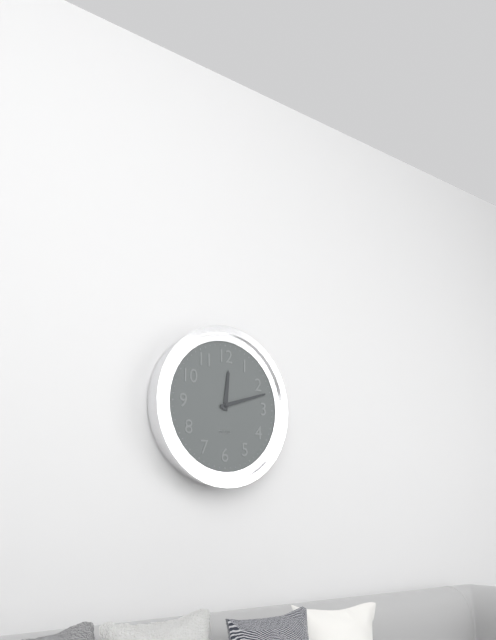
12:12
